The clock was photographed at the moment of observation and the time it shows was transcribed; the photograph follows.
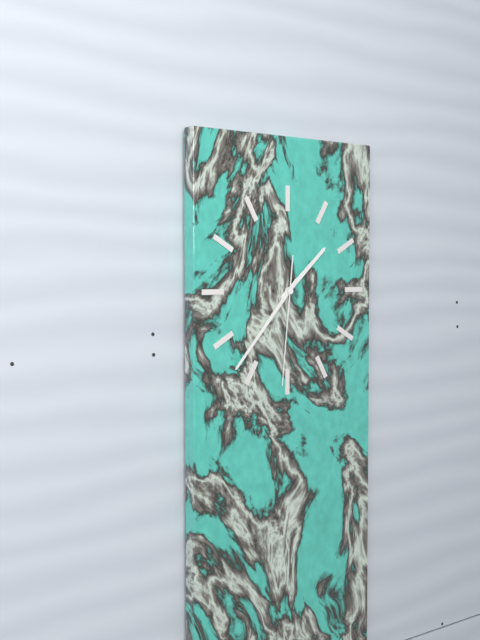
1:37:31
